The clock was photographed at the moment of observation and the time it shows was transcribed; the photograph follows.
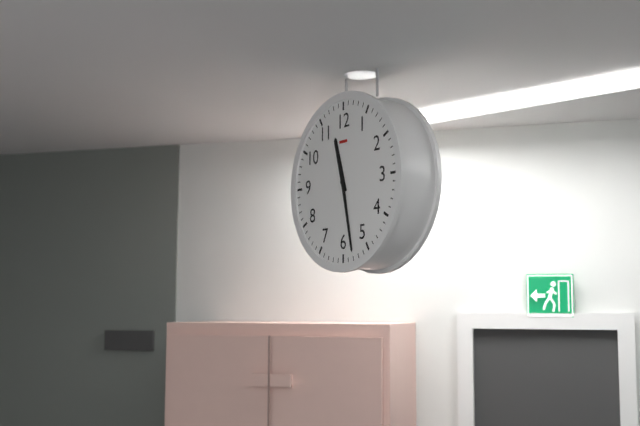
11:28
